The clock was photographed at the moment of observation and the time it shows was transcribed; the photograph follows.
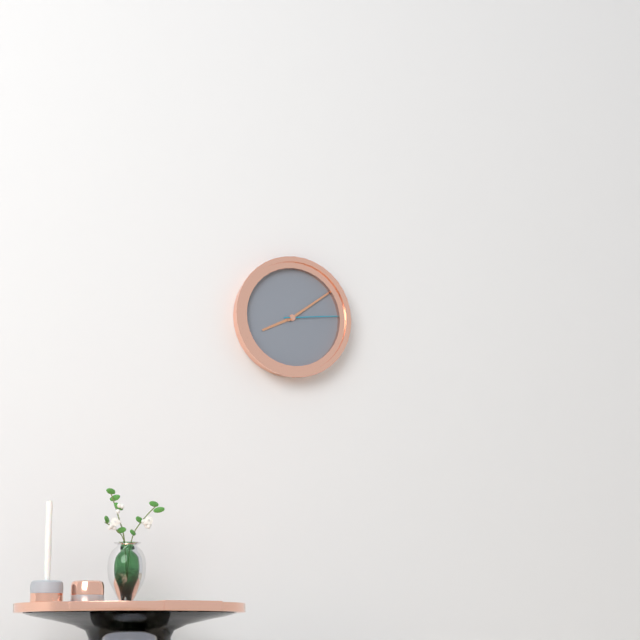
8:09:14
